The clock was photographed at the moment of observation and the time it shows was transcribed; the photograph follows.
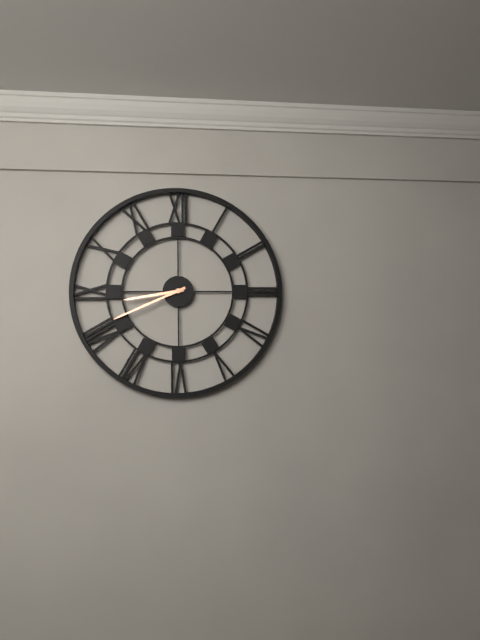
8:41
